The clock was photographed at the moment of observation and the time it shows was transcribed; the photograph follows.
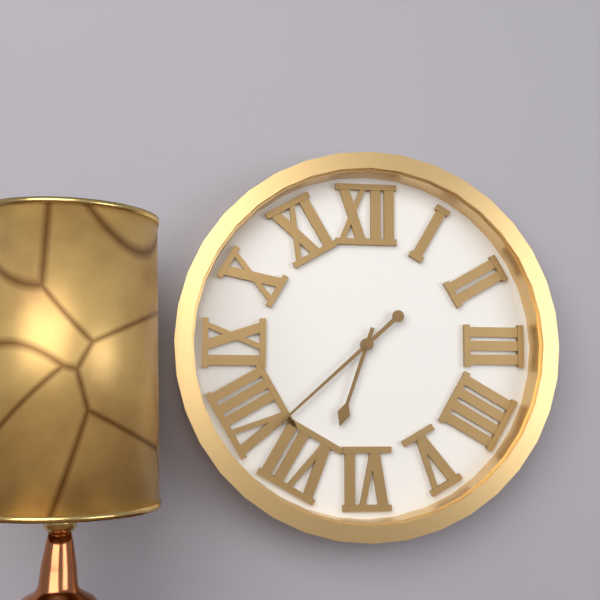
6:38
